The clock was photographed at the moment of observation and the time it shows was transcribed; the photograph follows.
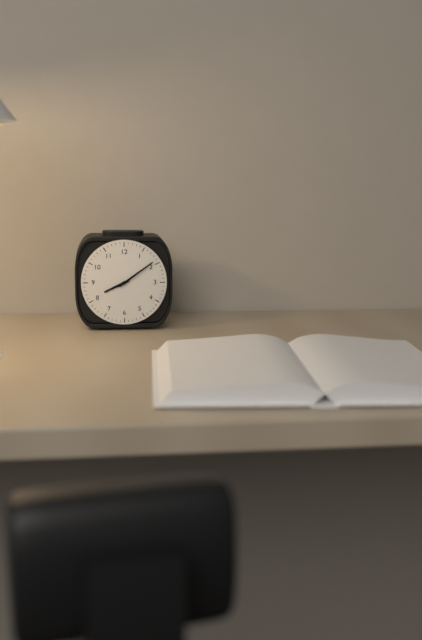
8:09
